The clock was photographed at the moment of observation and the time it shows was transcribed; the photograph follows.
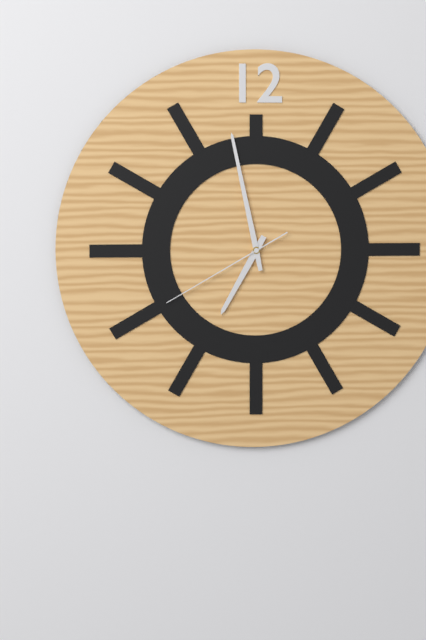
6:58:40
